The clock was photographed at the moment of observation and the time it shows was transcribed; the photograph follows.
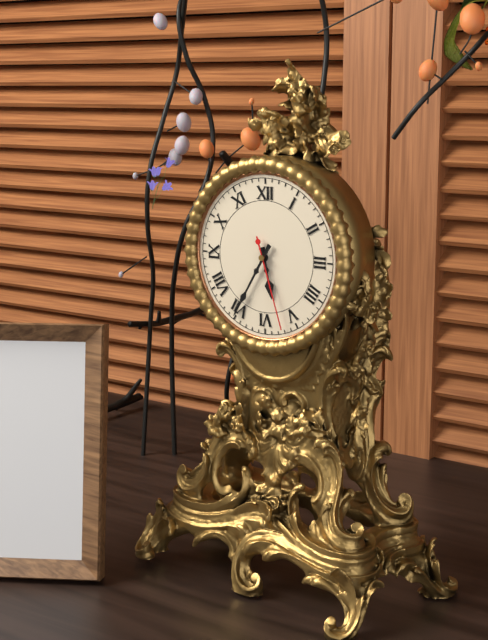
5:35:27
